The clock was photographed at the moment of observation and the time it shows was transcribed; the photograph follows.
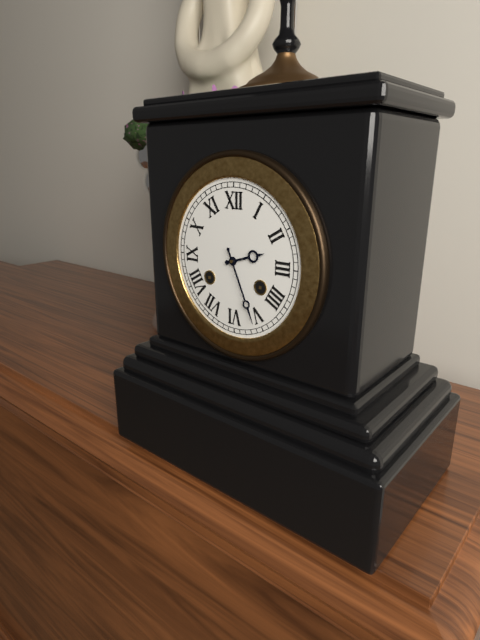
2:26
